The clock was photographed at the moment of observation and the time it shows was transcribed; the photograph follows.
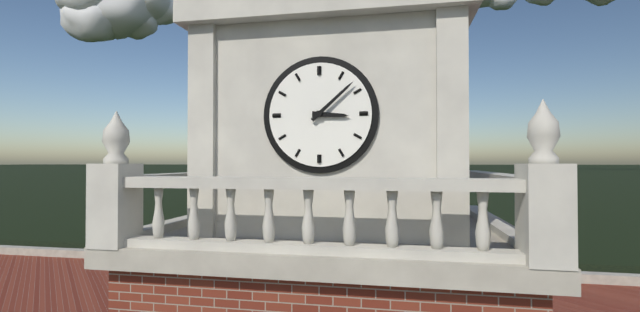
3:08
